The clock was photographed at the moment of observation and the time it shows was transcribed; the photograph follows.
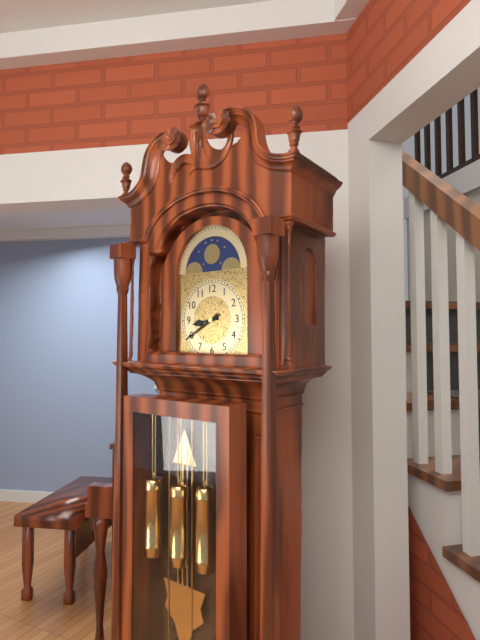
8:40
